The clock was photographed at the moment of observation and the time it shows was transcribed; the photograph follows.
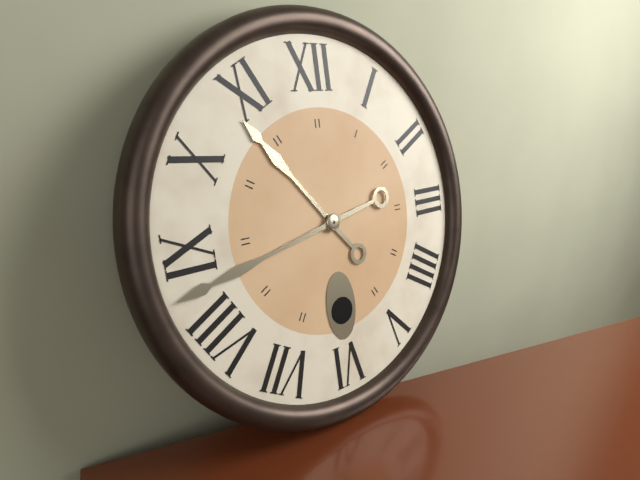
10:43
